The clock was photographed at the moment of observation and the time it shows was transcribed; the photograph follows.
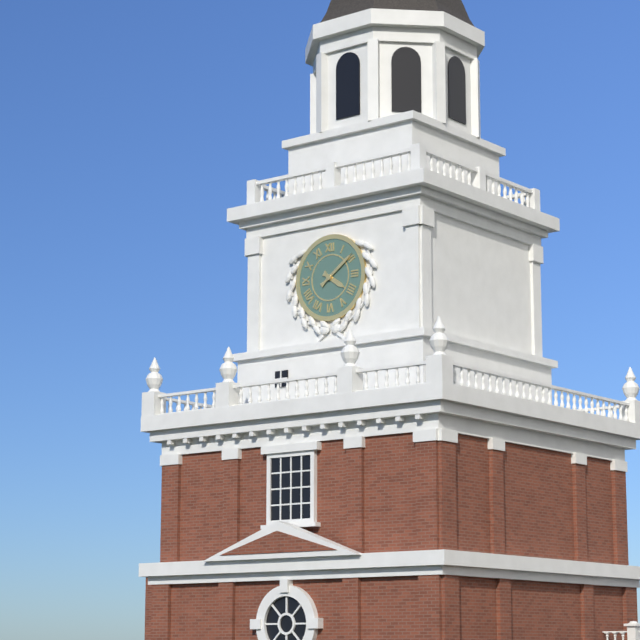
4:09
